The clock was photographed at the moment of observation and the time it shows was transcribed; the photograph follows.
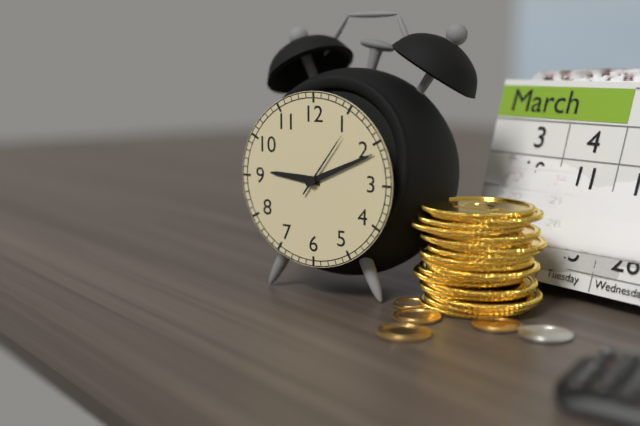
9:11:06
